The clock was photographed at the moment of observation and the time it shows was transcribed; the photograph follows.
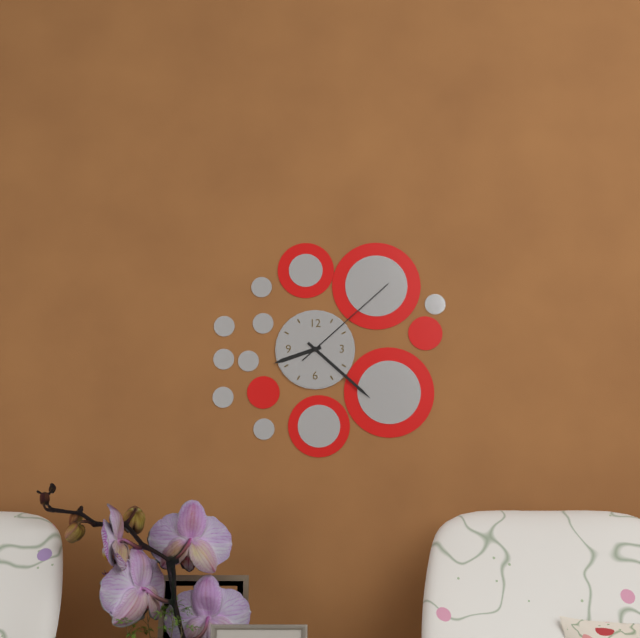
8:22:08
